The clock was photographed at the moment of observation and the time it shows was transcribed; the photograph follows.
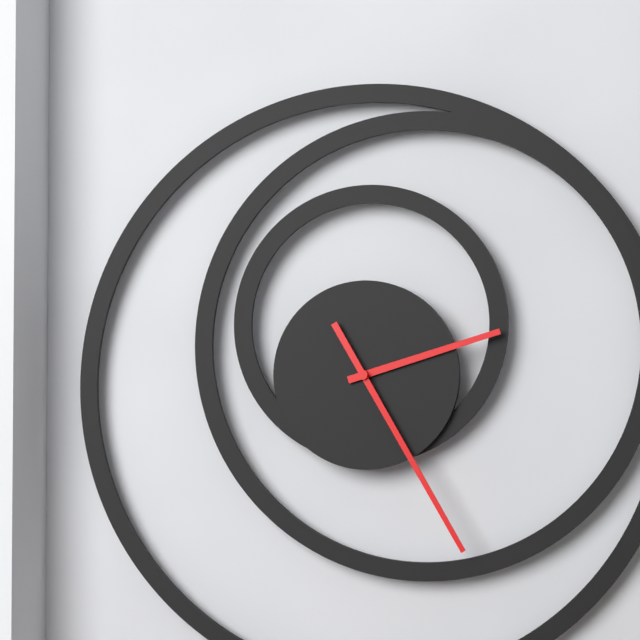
2:25
